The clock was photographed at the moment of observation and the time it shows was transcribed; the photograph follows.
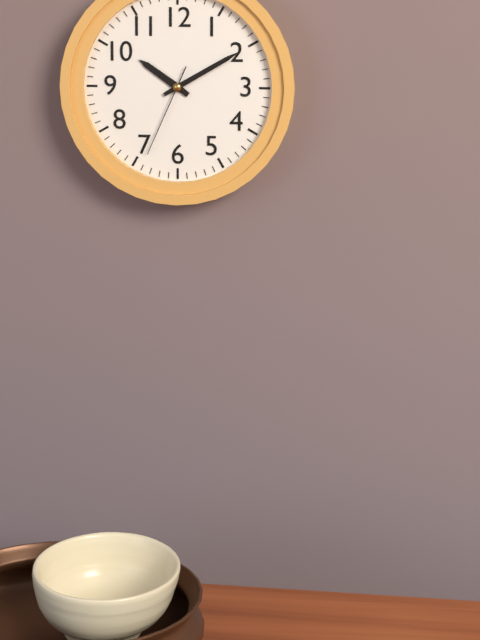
10:10:34
